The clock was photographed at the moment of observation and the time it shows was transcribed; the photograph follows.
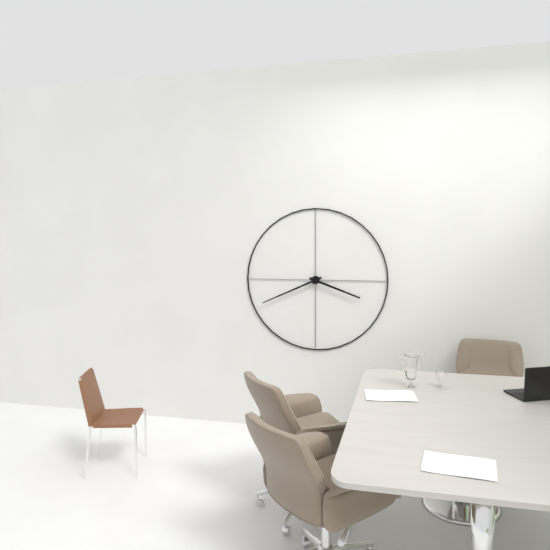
3:41
